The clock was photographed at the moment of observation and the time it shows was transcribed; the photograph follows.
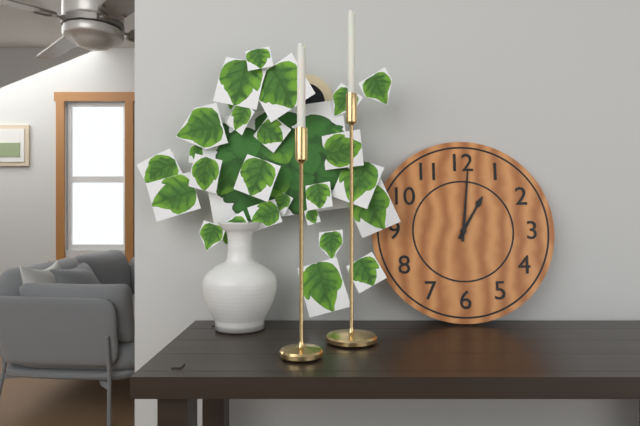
1:01
